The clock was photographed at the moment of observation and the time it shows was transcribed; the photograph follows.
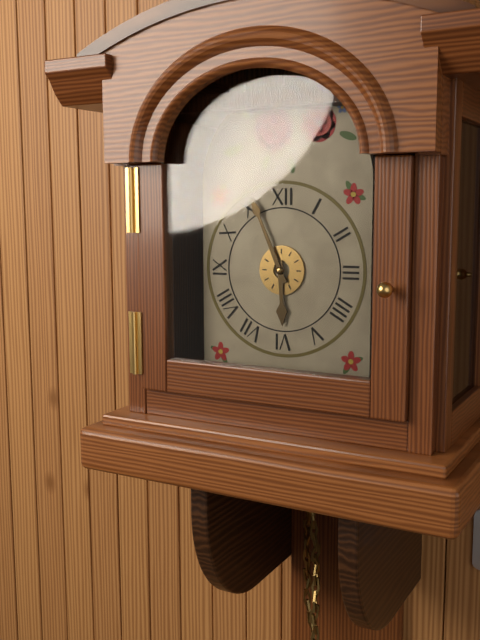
5:56
